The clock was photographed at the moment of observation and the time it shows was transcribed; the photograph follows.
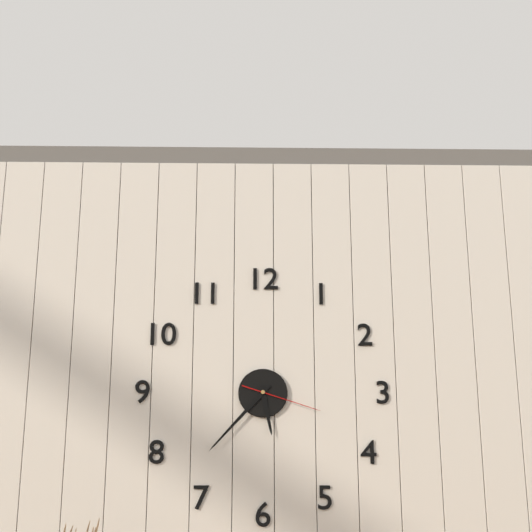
5:37:18
